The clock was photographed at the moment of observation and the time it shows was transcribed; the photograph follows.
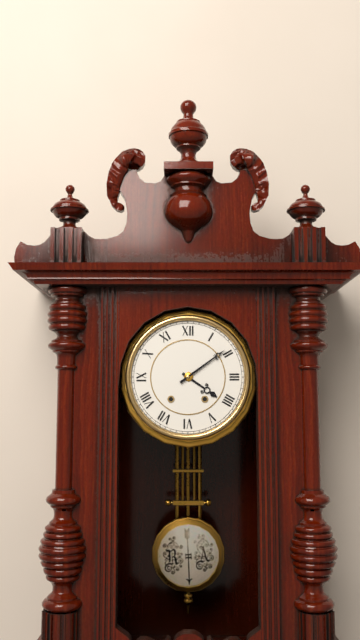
4:09
